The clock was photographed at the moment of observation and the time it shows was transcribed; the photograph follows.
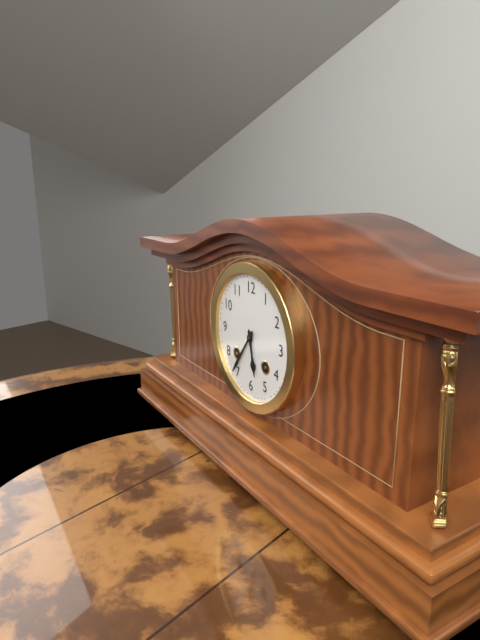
5:36
